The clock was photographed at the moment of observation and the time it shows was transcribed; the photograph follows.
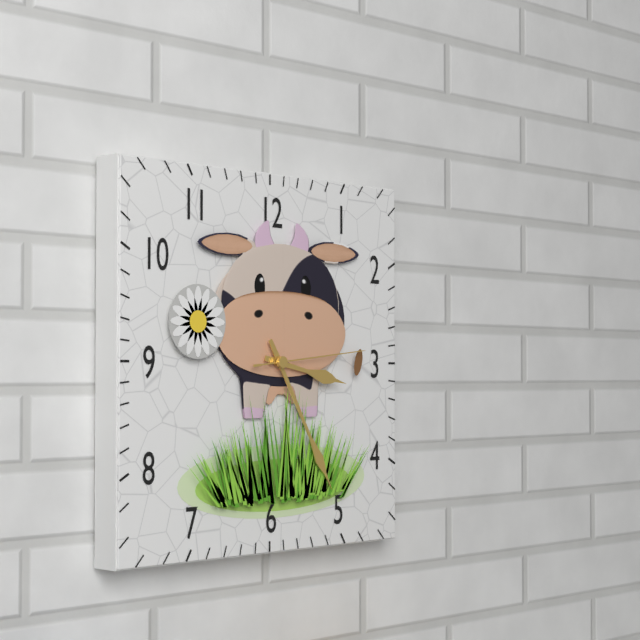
3:25:14
